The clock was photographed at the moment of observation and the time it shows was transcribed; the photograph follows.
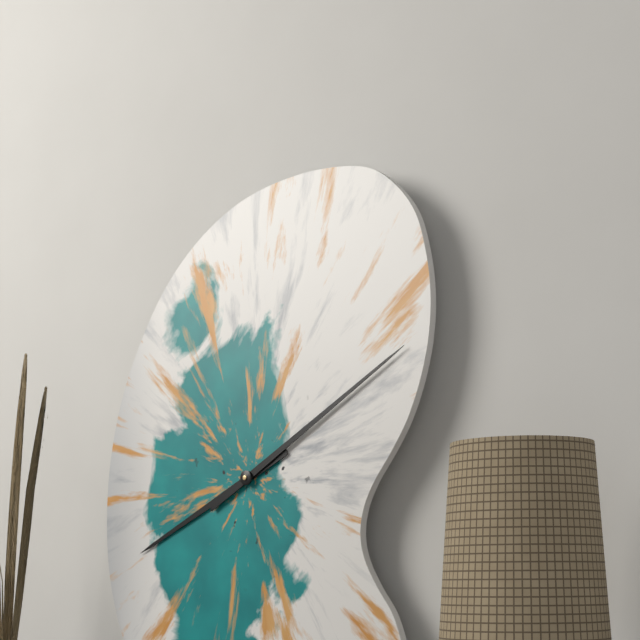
8:10
